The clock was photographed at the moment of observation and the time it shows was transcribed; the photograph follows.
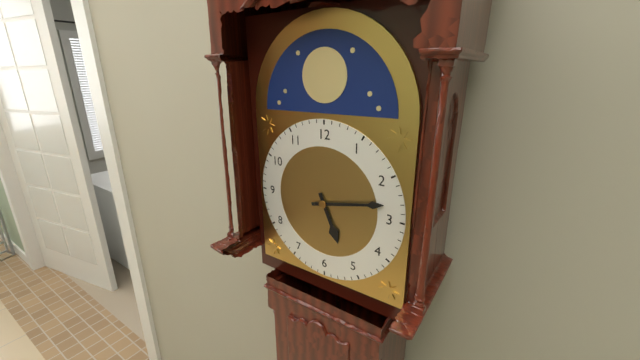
5:13
